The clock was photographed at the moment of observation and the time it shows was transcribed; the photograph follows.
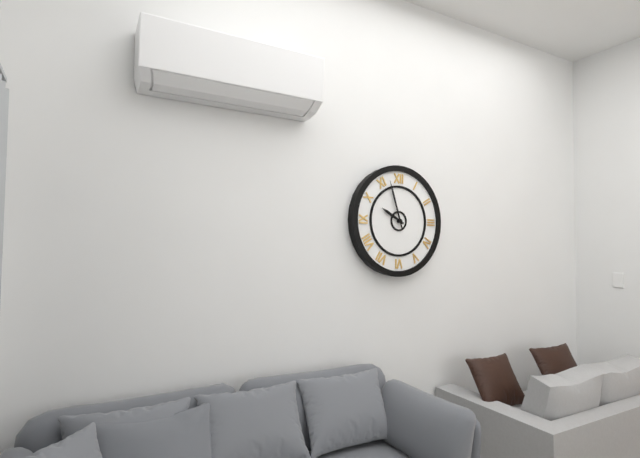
9:57
